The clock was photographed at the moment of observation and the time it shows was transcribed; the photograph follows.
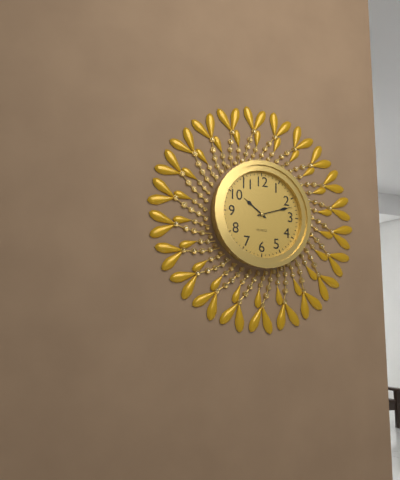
10:12
